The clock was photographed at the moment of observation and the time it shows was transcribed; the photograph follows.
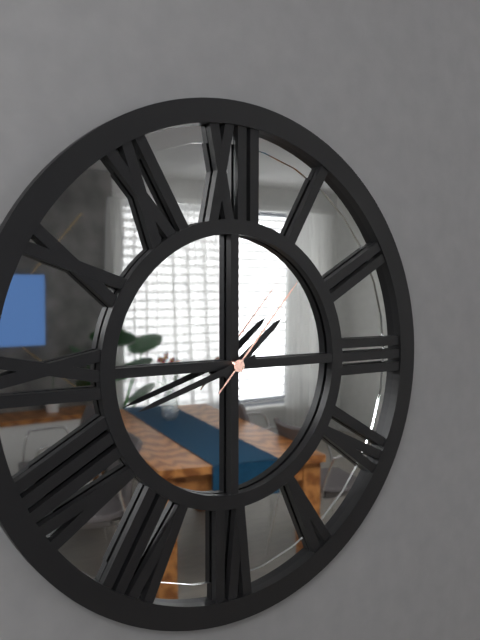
1:42:07
